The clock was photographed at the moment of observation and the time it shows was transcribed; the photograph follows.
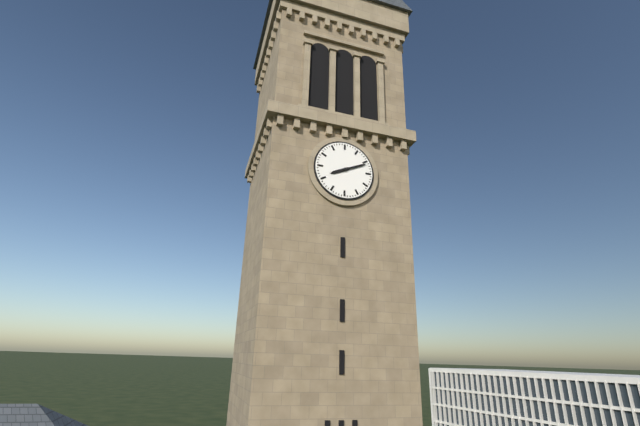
8:11
